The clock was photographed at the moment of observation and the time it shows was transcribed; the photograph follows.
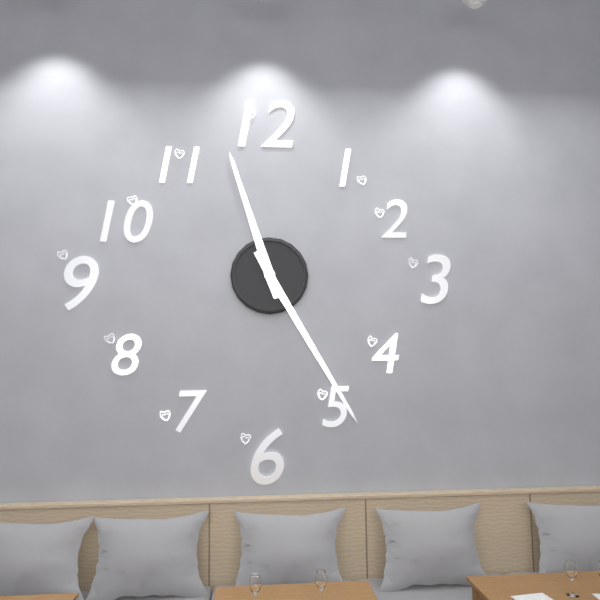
11:25
